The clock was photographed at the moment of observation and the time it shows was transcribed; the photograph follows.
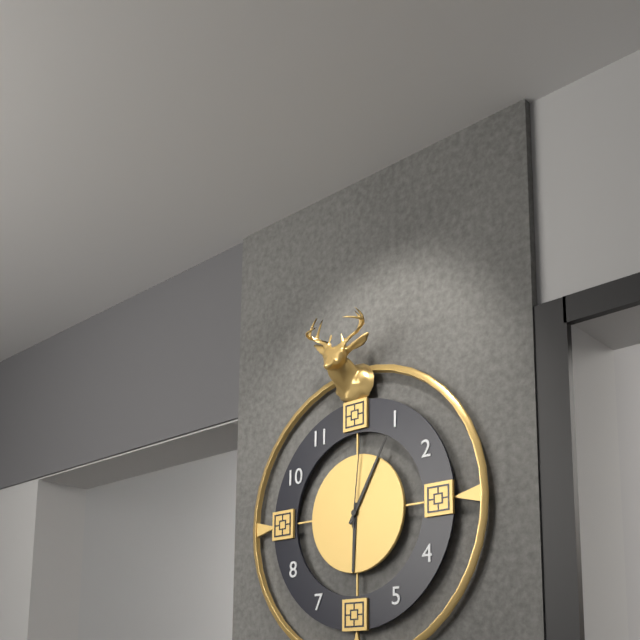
6:05:01
